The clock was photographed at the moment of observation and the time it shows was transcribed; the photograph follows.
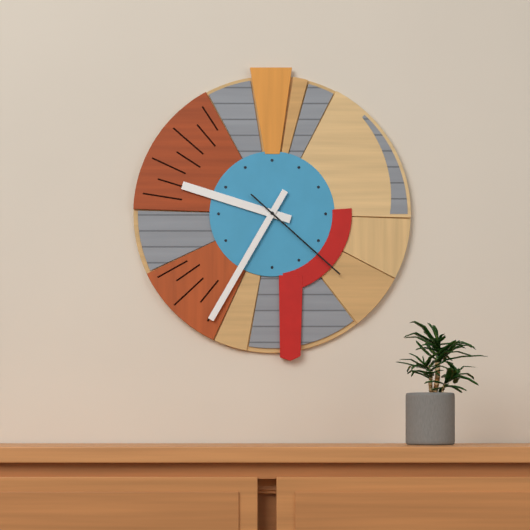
9:35:22
